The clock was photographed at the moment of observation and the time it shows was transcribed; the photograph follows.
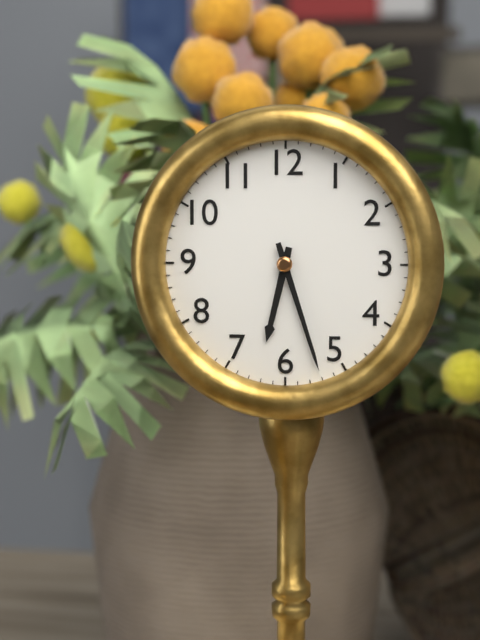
6:27
